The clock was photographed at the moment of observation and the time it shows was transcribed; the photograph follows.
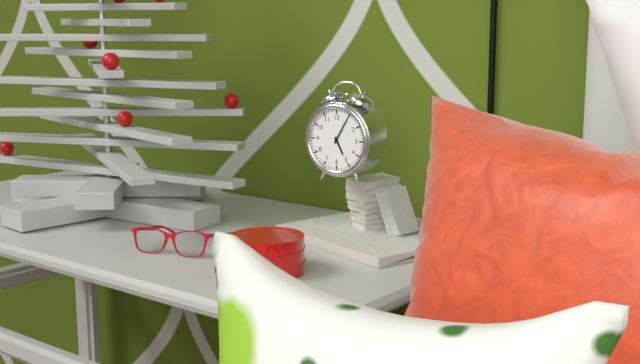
5:05
